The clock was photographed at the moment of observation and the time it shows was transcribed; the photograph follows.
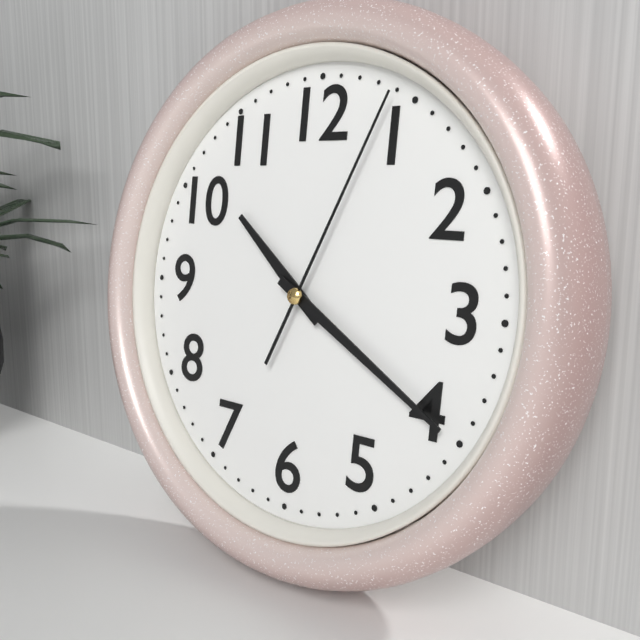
10:20:04
